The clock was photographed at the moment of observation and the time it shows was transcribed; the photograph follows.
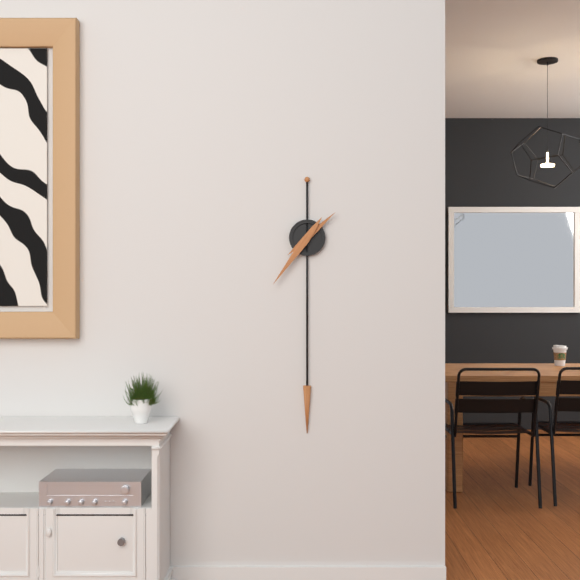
1:36
